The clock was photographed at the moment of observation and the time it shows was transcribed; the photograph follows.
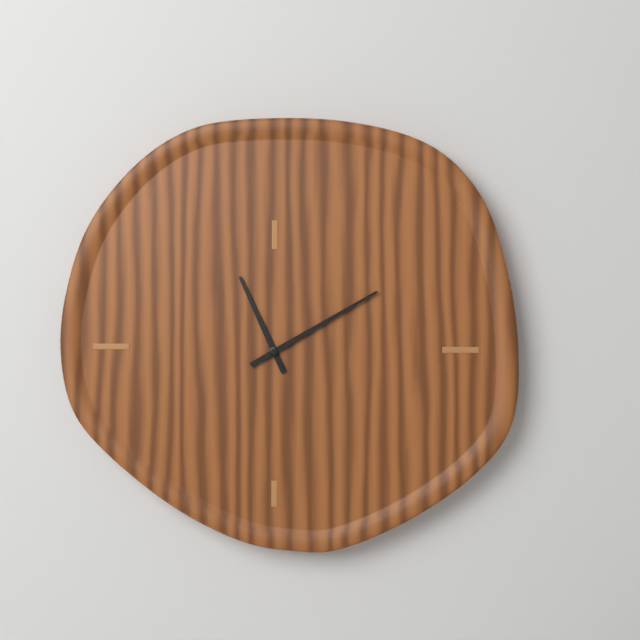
11:10
